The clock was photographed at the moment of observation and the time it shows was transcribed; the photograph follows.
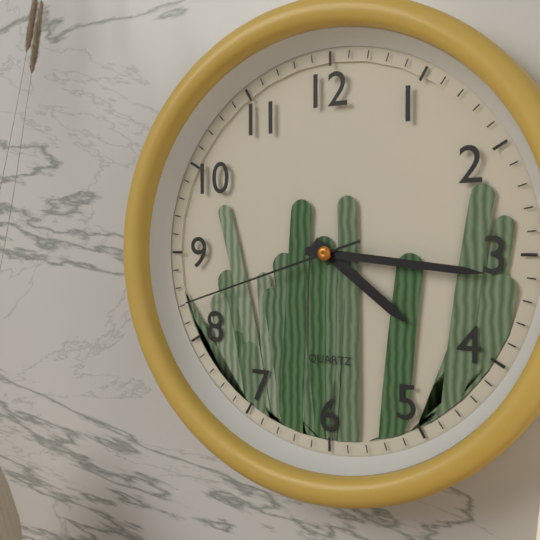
4:16:42
